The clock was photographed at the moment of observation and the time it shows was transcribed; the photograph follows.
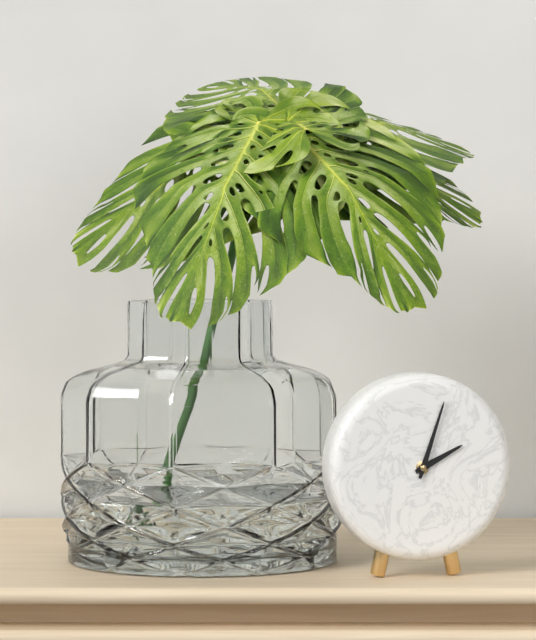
2:03
